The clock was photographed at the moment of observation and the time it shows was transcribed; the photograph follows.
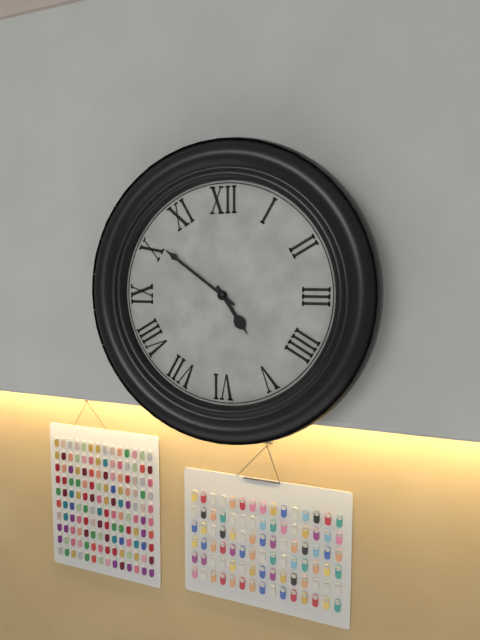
4:51
